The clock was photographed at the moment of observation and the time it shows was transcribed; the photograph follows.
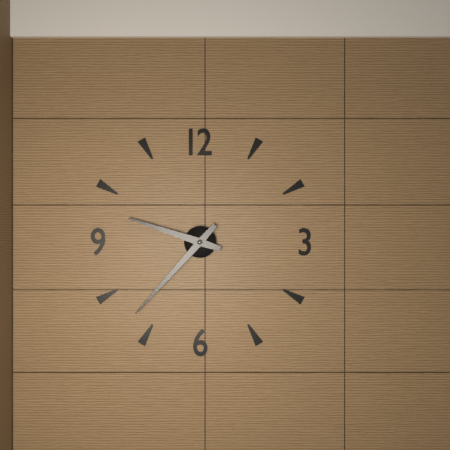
9:37
